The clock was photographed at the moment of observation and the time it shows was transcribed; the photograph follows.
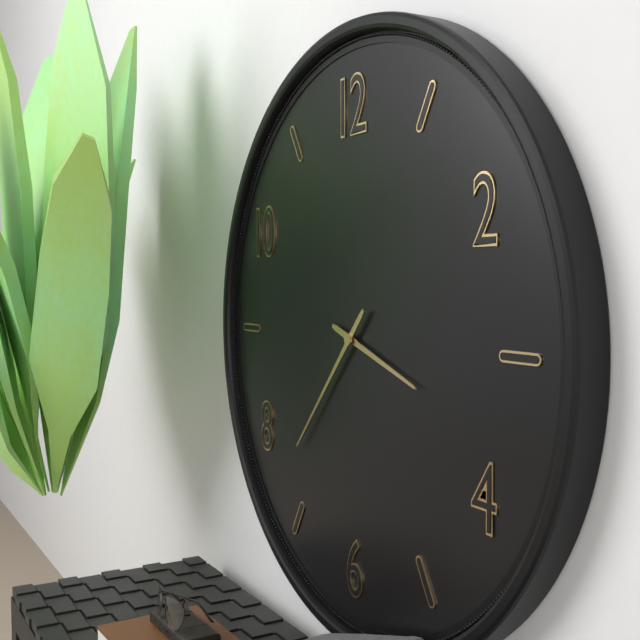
3:37
